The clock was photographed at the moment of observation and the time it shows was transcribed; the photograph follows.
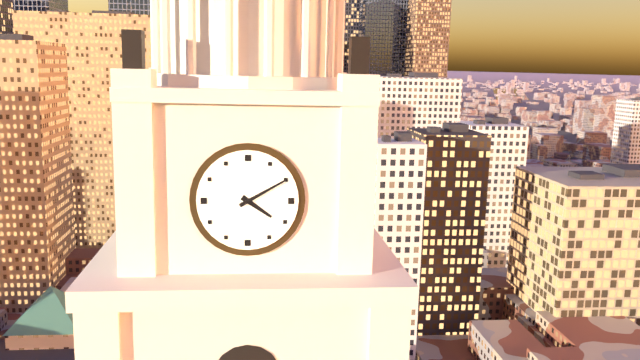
4:10
